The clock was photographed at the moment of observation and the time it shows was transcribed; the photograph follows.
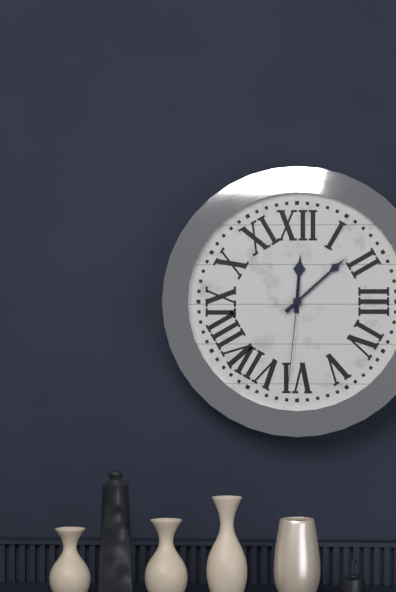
12:08:31
